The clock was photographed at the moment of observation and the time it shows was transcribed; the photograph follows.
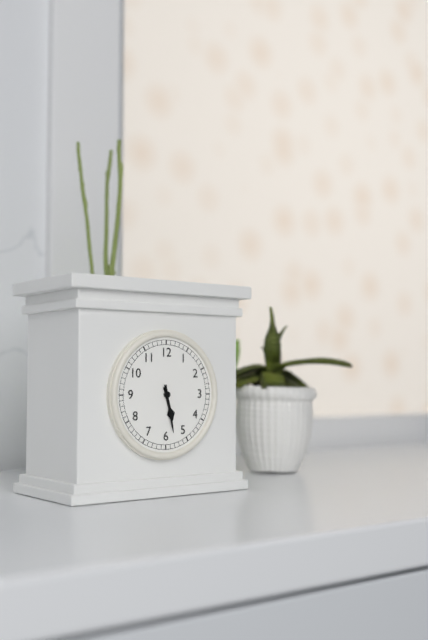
5:28
